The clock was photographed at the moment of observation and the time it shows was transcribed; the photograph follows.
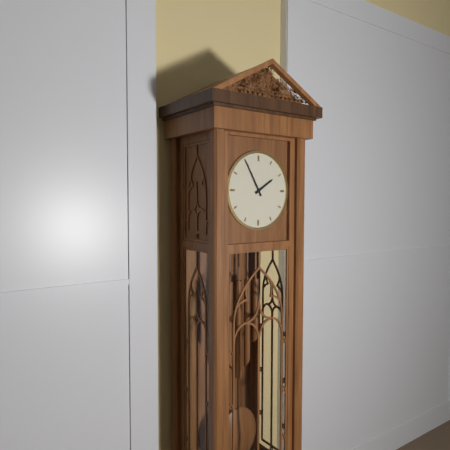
1:55
